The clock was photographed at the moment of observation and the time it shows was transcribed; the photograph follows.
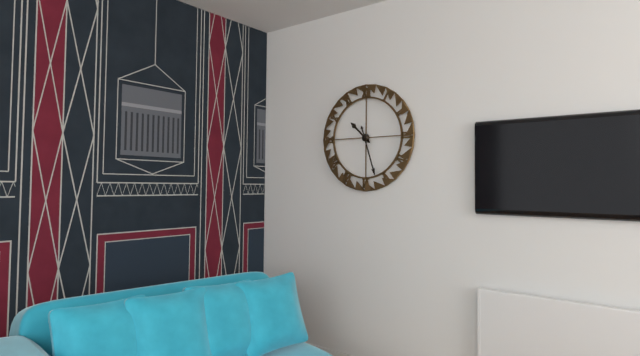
10:27
